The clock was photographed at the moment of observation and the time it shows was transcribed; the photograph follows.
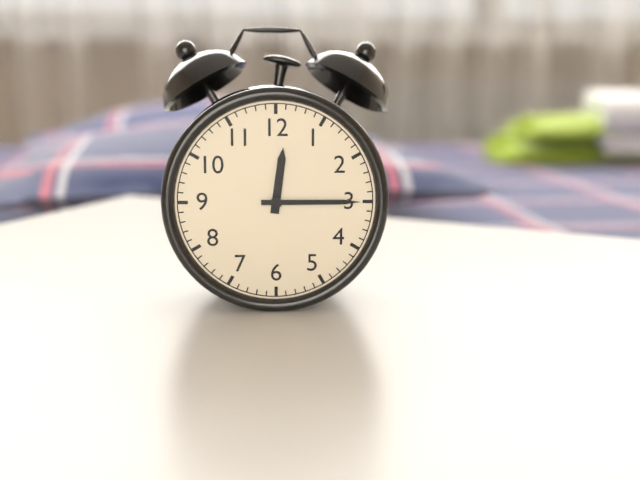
12:15
